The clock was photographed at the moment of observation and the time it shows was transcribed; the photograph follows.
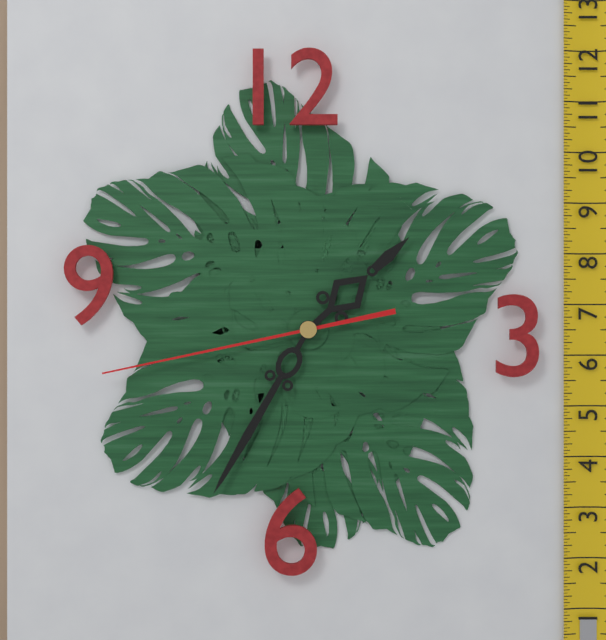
1:35:43
